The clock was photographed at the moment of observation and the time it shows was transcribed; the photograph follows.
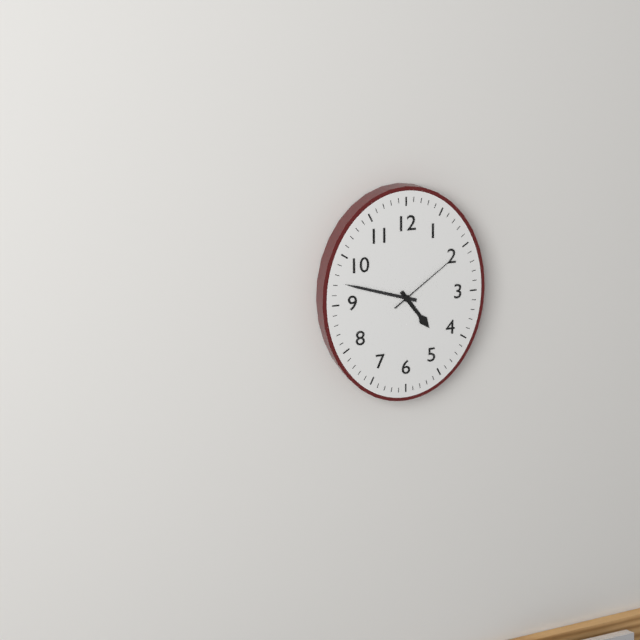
4:48:09
